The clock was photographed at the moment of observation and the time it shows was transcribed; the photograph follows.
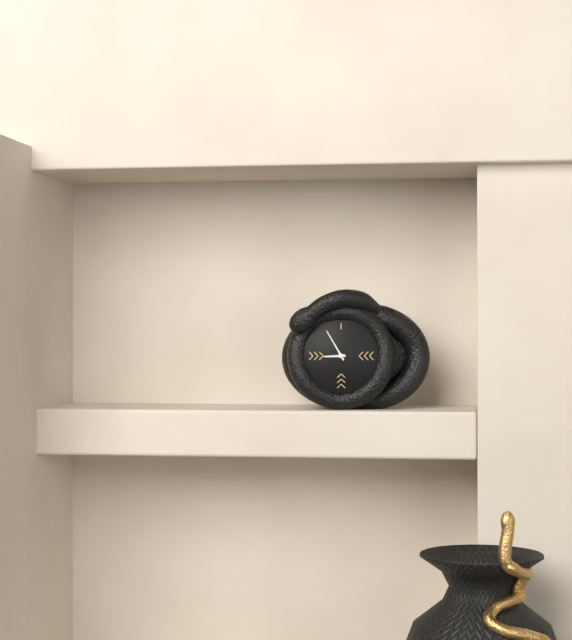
8:55
